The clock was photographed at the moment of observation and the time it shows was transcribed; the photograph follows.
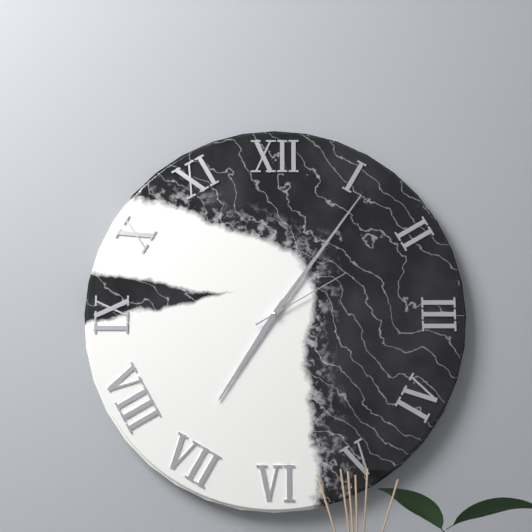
7:06:10
